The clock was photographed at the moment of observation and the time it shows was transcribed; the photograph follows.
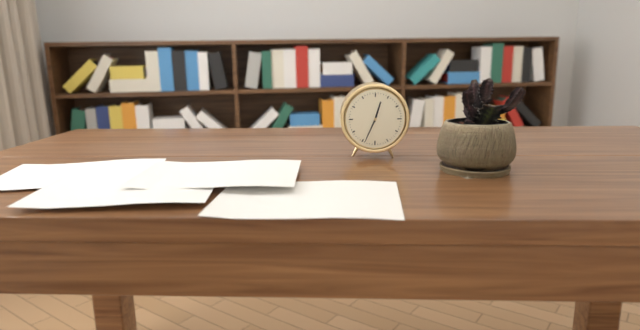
12:34
